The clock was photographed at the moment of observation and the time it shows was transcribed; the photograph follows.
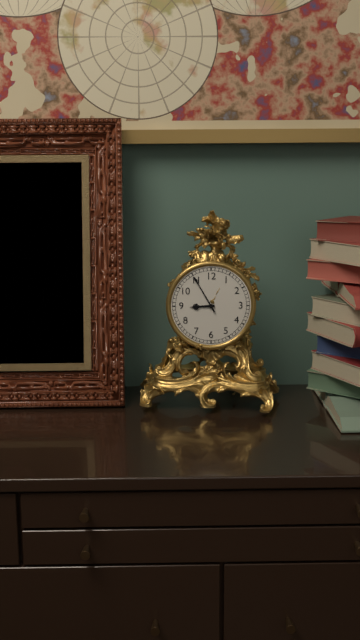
8:55
